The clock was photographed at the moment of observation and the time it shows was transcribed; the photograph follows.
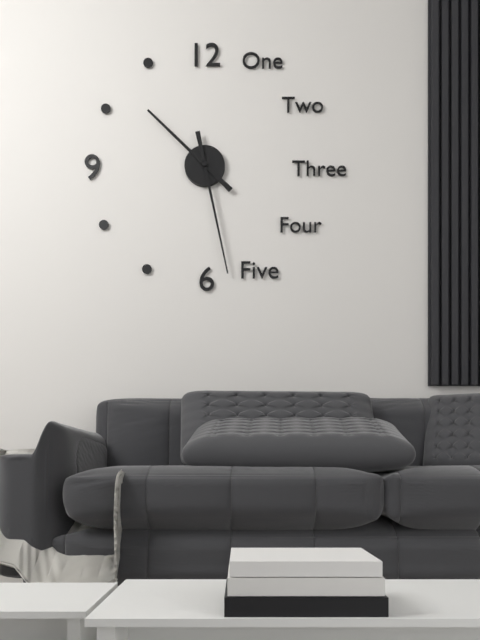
10:28
